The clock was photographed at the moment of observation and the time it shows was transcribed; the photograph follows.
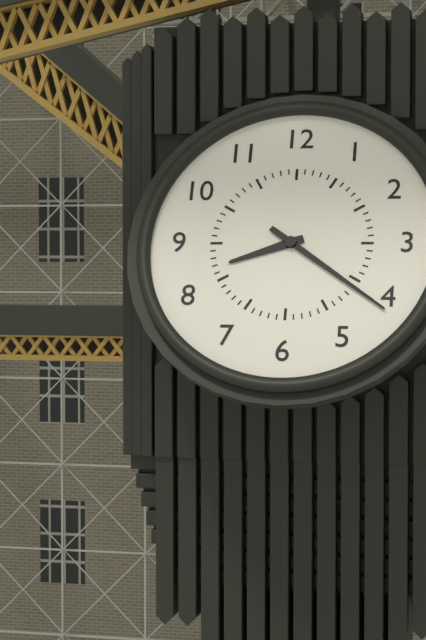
8:21
